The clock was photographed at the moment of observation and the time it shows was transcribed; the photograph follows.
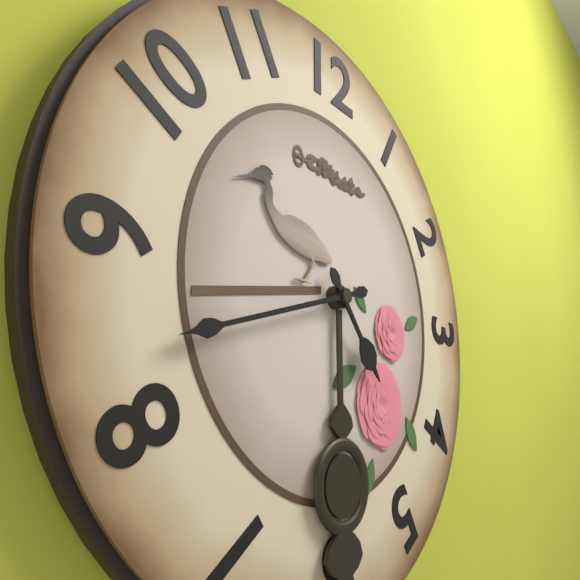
4:42
